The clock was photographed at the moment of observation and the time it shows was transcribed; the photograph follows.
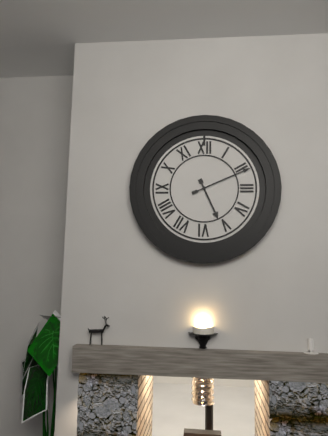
5:11
